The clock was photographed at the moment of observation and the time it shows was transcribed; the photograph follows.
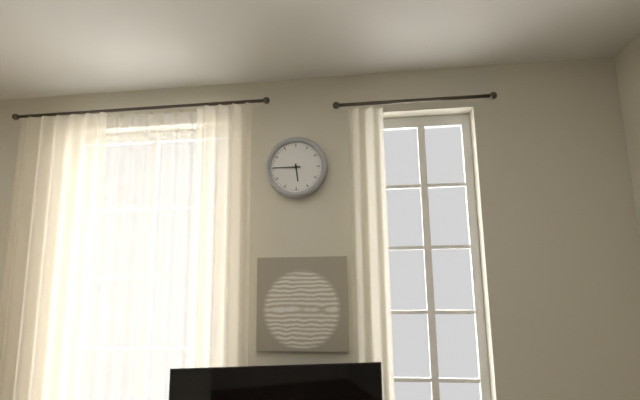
5:45
